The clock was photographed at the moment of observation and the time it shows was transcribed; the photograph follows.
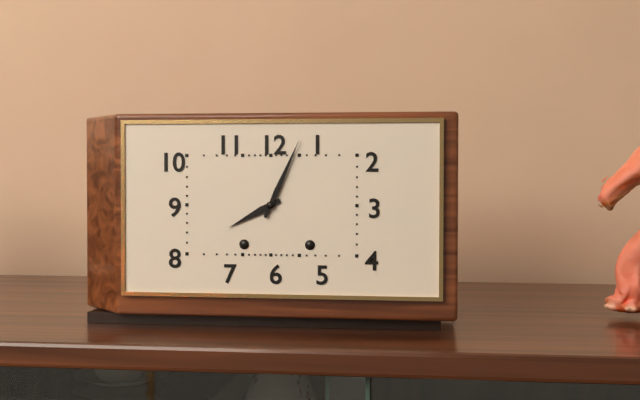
8:04
